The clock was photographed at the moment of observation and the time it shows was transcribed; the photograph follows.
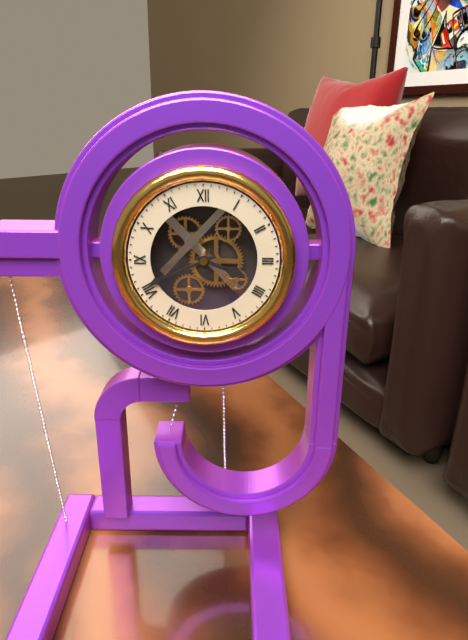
3:41
